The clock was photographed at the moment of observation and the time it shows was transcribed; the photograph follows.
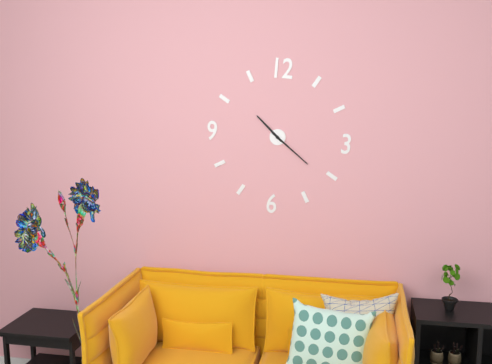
10:21
